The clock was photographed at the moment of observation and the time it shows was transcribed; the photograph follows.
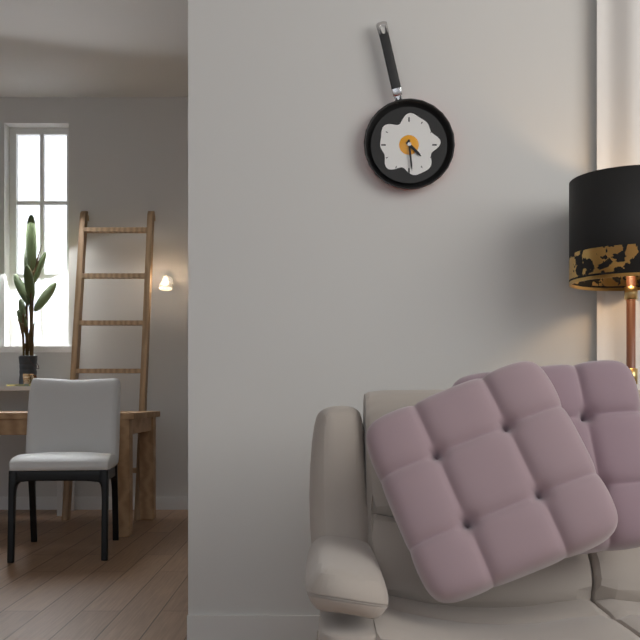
4:29
